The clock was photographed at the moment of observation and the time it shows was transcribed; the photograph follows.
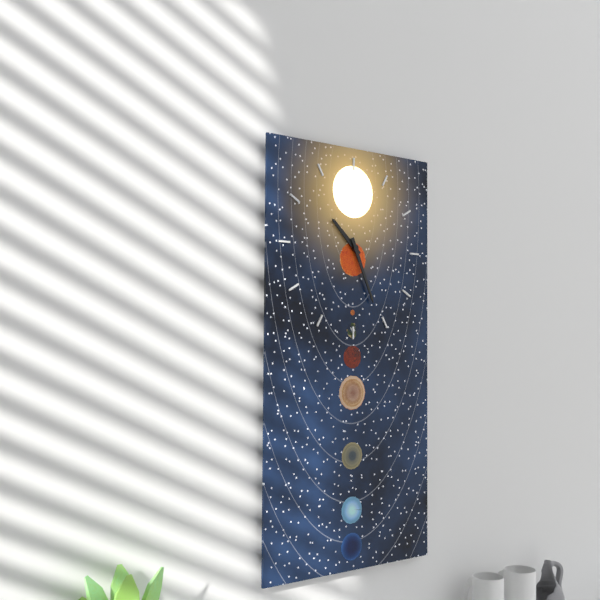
10:26
